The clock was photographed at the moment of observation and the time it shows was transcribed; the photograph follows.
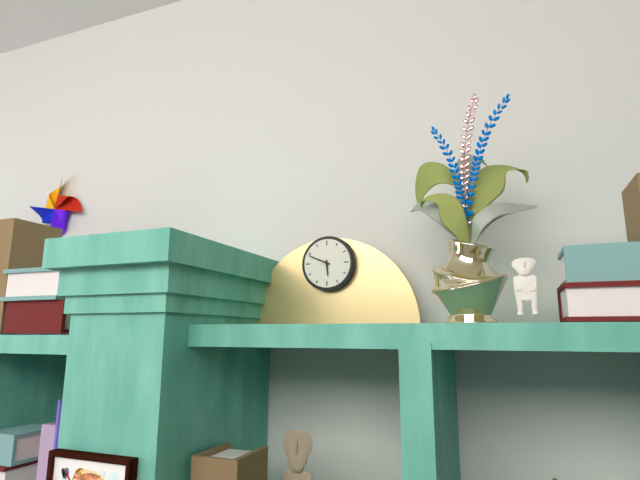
5:49
